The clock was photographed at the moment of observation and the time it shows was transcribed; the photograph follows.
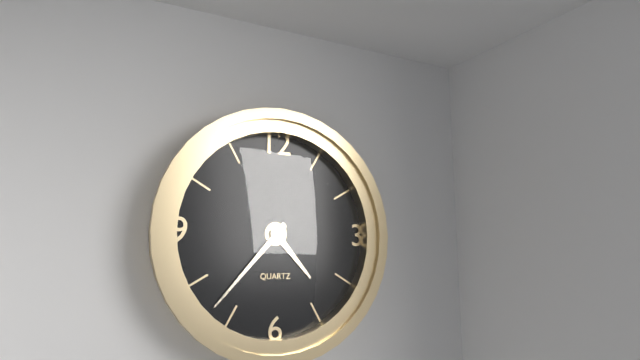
4:37
